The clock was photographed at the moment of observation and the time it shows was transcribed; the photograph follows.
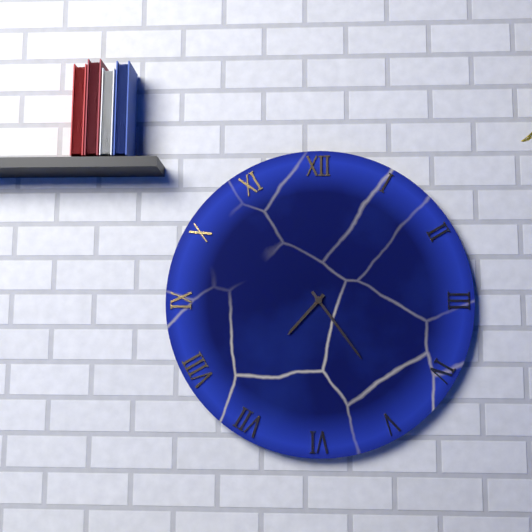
7:24
